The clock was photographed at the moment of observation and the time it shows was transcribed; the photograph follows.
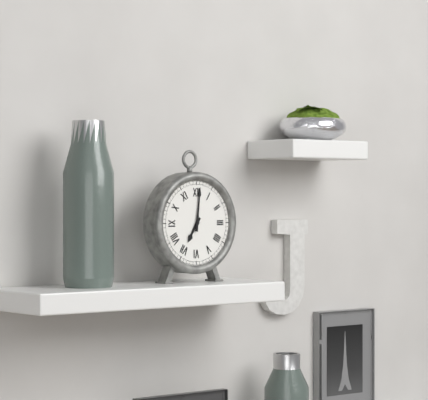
7:01
